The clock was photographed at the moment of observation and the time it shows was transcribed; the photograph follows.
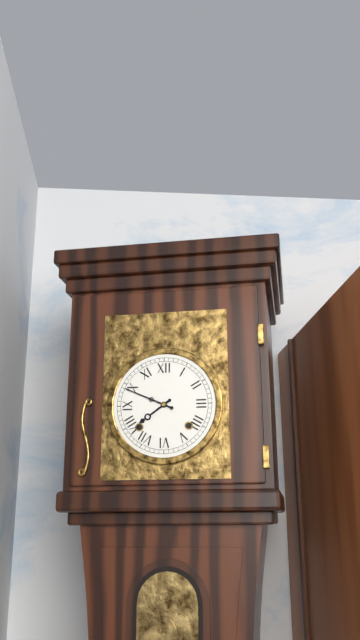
7:49
